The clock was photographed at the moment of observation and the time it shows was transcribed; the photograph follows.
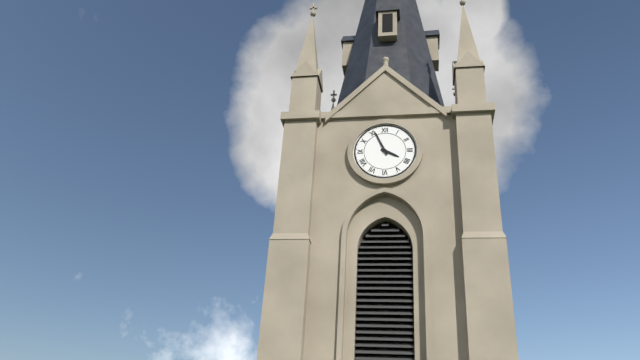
3:56
